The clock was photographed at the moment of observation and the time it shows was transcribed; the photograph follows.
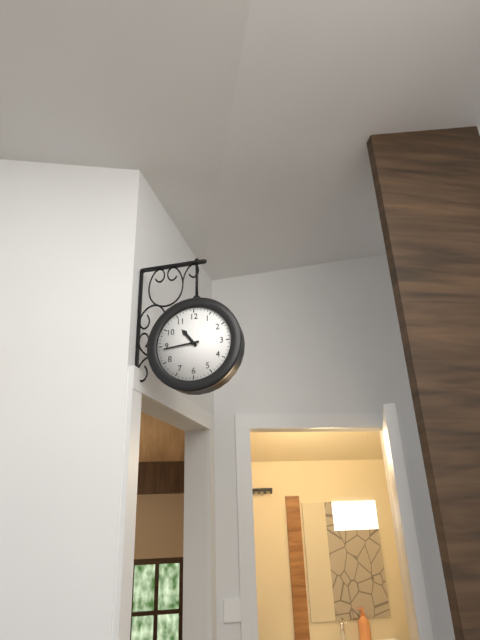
10:44
